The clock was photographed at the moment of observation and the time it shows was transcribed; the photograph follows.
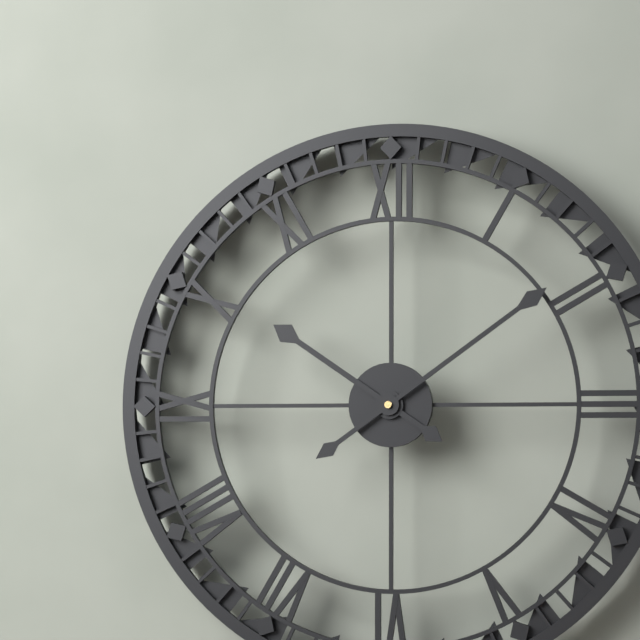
10:09
